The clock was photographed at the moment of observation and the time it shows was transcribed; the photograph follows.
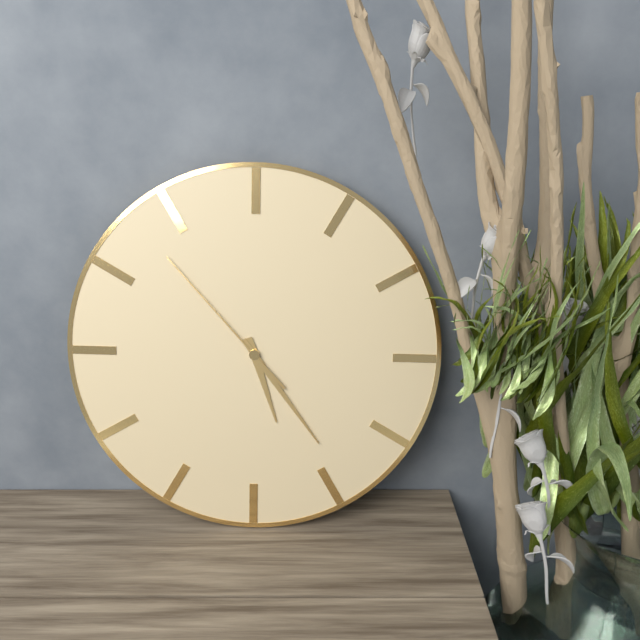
5:24:53
